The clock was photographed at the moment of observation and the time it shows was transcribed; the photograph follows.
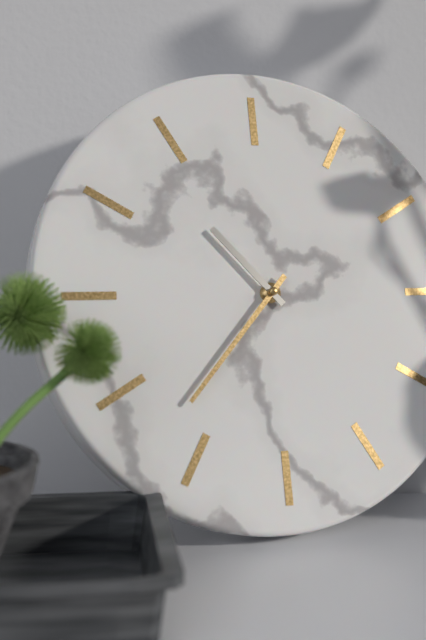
10:37
